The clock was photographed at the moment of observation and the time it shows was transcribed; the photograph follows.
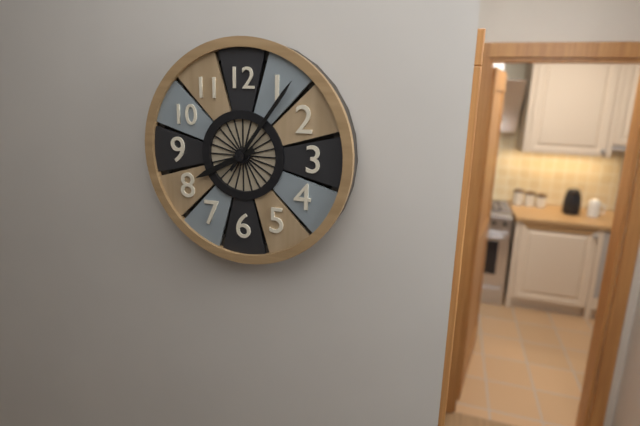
8:06
